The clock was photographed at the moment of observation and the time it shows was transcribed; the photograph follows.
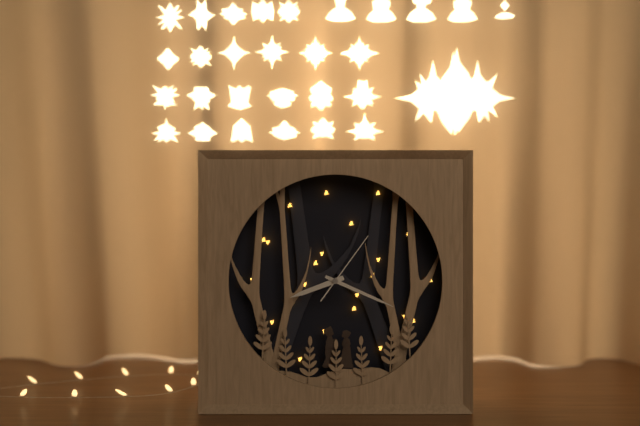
8:19:06
